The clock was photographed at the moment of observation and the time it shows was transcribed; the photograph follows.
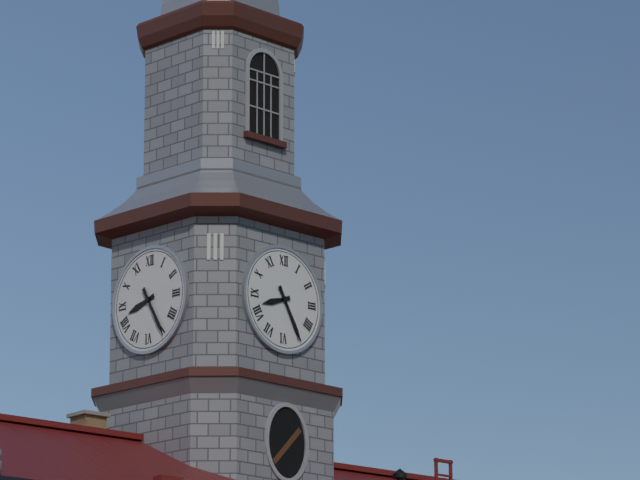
8:25
